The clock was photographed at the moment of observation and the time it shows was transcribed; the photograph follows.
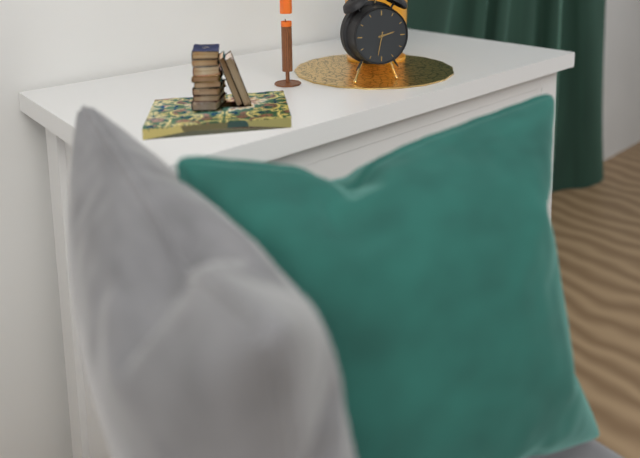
2:32
